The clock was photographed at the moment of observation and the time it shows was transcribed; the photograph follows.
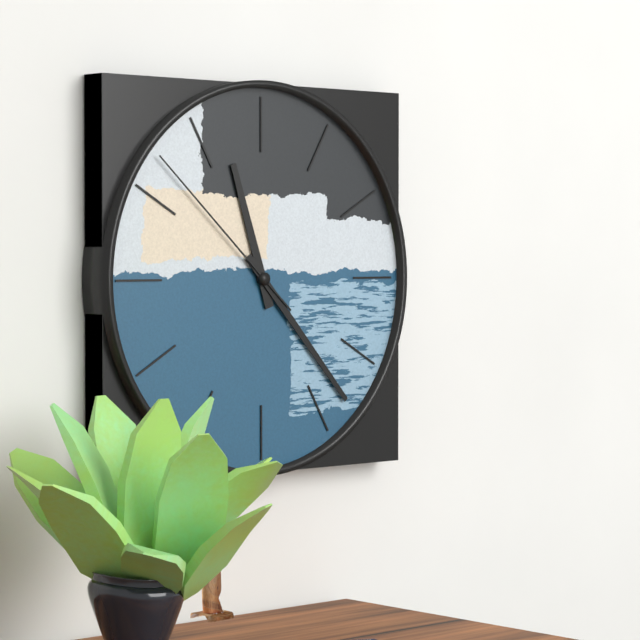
11:23:52
